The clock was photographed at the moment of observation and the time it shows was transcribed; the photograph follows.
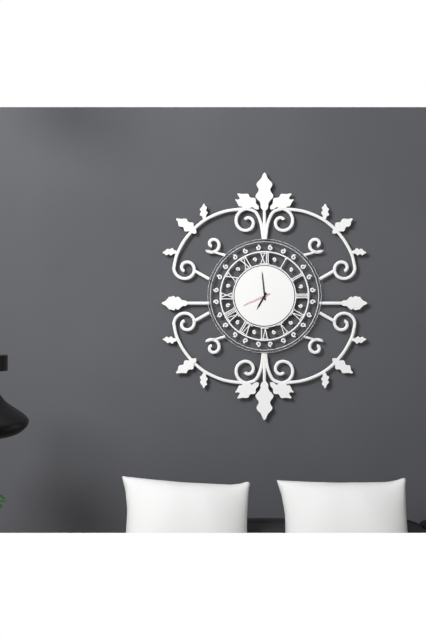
6:59
